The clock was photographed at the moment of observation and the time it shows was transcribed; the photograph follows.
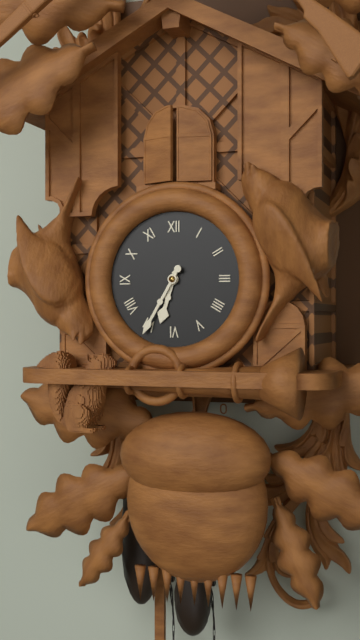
6:35
